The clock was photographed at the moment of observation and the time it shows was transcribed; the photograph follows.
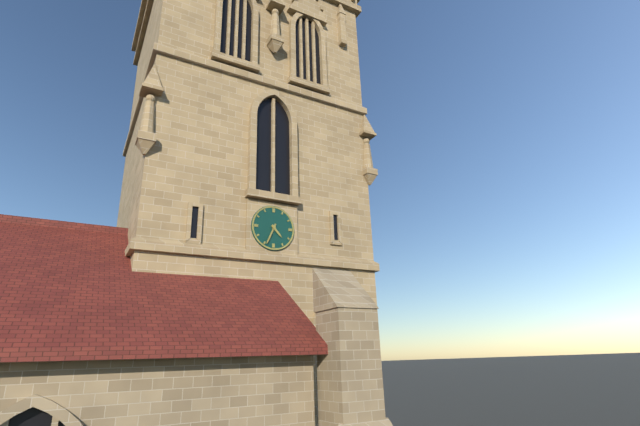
4:34
